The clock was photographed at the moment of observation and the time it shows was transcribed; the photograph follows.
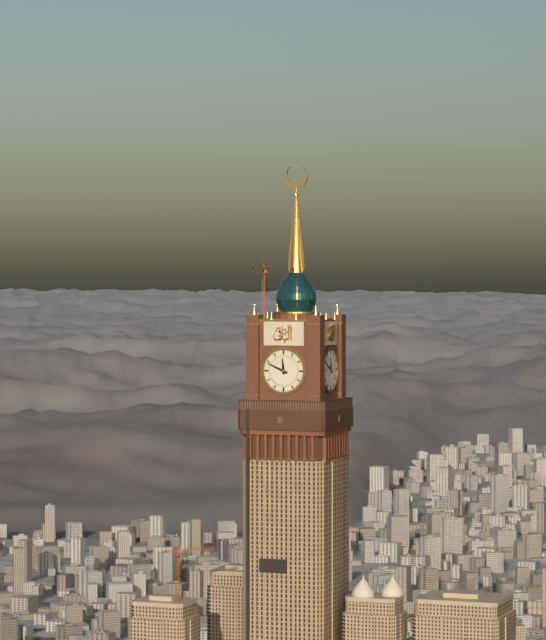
11:49
